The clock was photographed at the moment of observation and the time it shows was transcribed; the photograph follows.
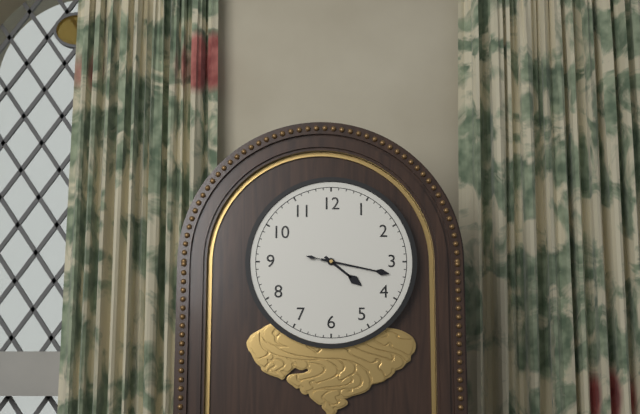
4:17:17
